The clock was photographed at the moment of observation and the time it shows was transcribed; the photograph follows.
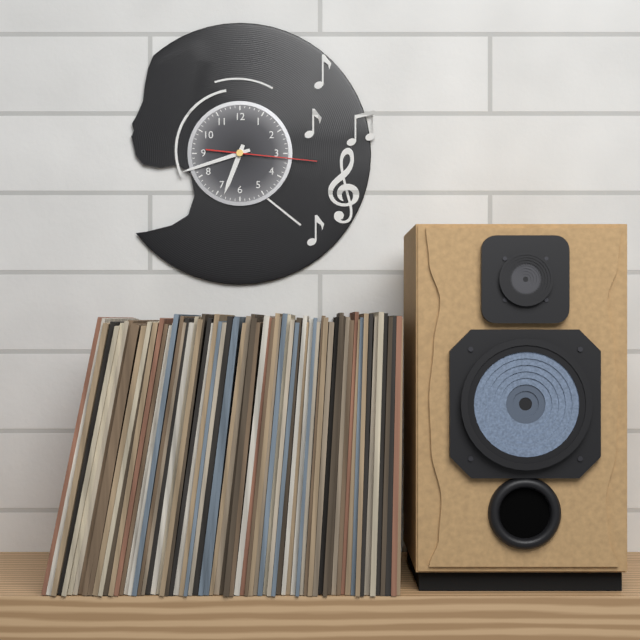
6:42:16
